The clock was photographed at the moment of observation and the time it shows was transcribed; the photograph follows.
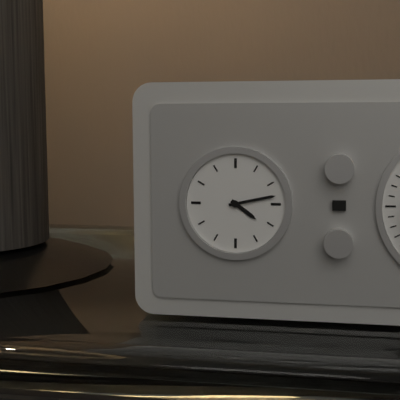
4:13
